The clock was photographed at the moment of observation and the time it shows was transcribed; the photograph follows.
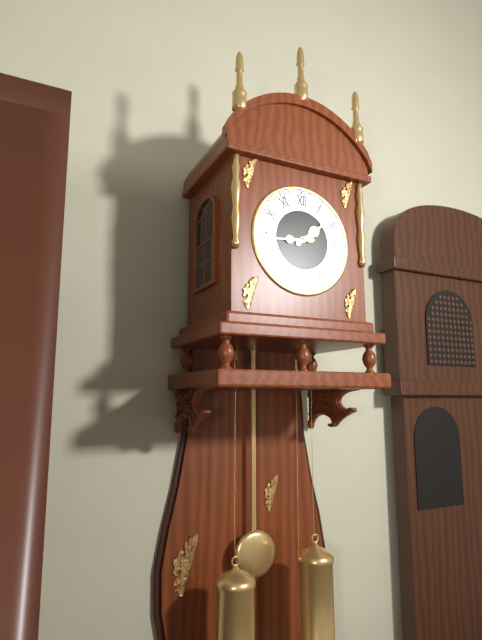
1:44
